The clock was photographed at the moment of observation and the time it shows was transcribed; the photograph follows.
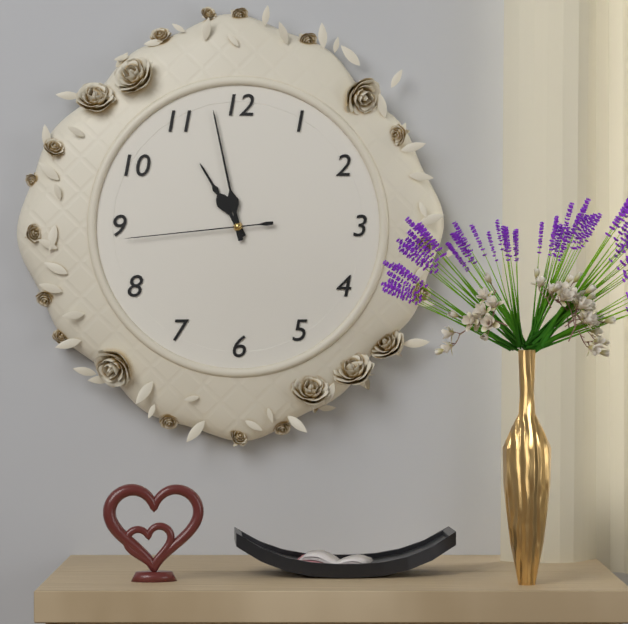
10:58:44
